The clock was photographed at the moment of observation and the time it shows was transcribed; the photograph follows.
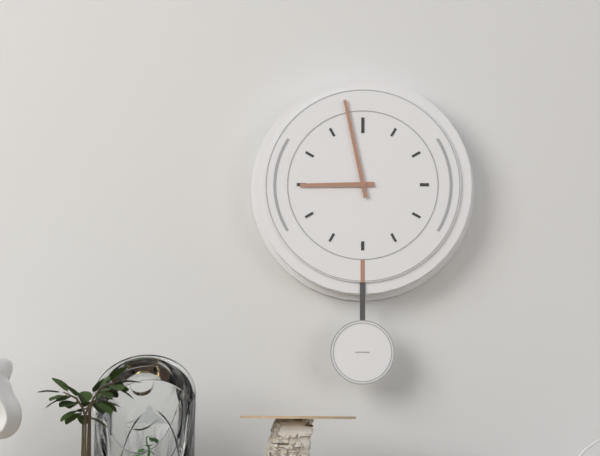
8:58
